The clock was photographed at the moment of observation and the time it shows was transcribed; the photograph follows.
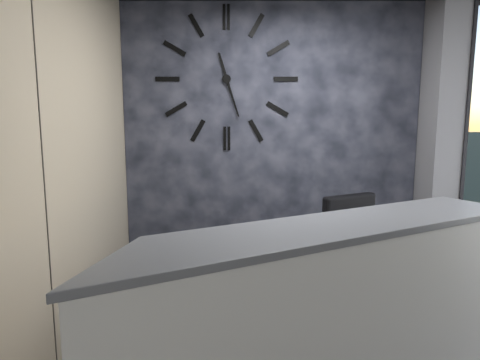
11:27
